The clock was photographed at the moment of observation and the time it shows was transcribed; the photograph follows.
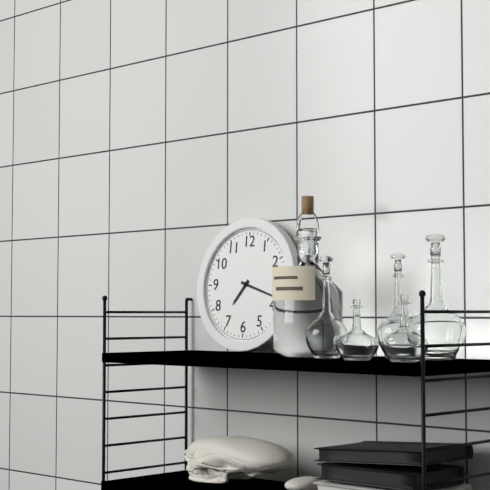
7:18
